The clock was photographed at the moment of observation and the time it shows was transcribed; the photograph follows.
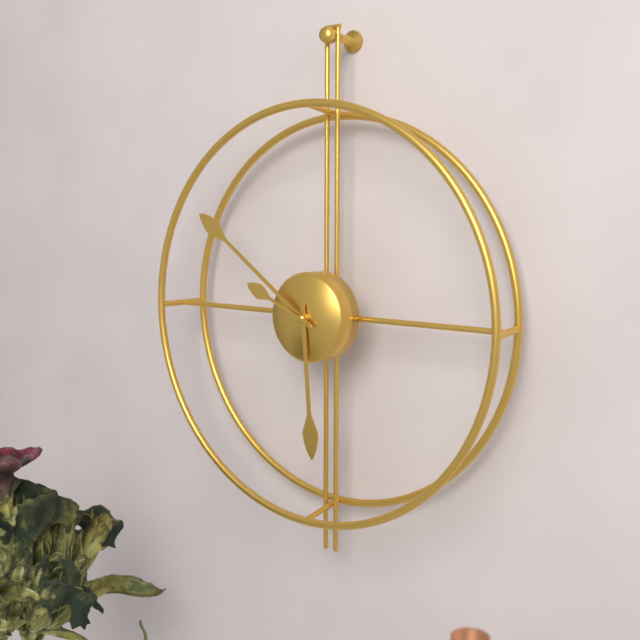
5:51:49
